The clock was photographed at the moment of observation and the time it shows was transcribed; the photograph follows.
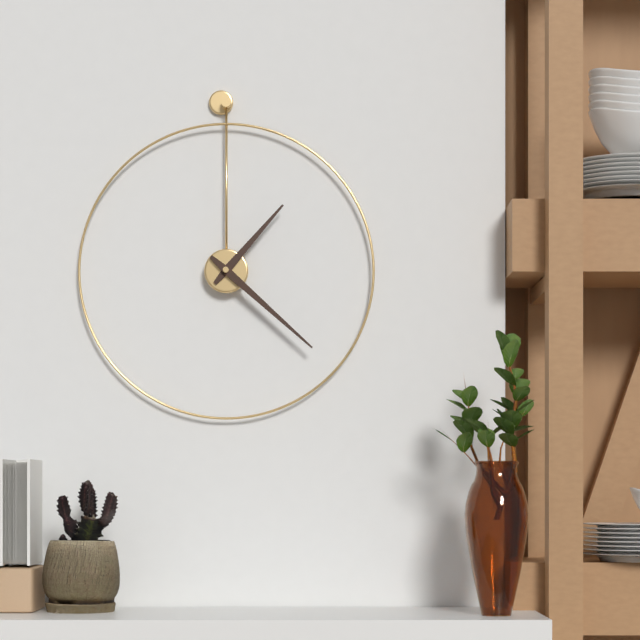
1:22
